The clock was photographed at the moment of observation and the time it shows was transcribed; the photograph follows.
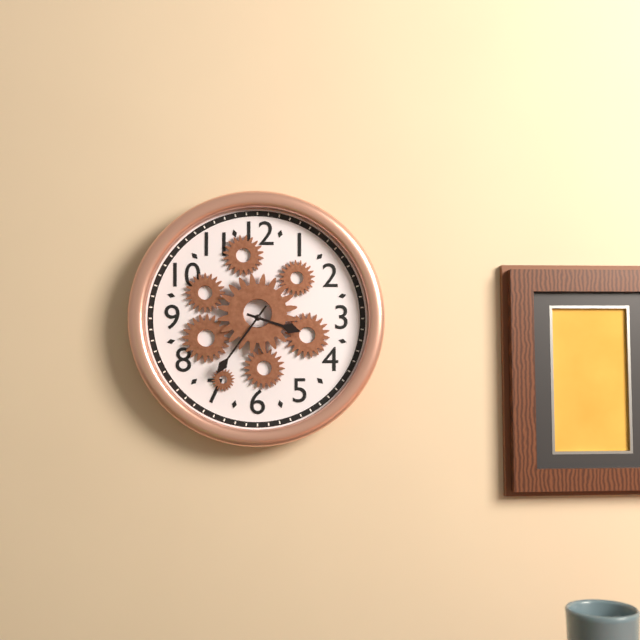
3:36
